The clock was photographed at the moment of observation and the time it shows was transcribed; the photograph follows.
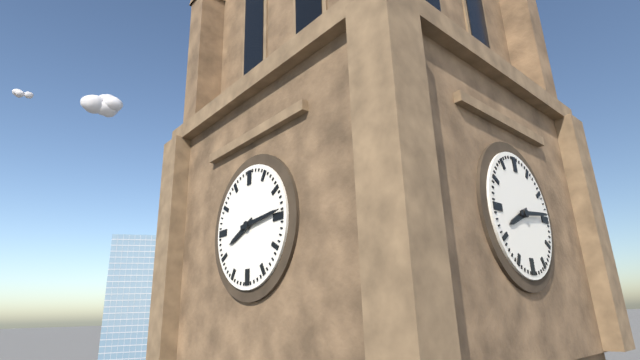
8:14
